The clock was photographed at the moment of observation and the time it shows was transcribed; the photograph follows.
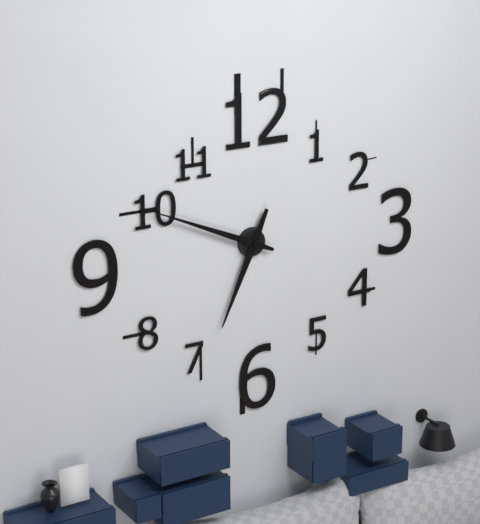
6:49
